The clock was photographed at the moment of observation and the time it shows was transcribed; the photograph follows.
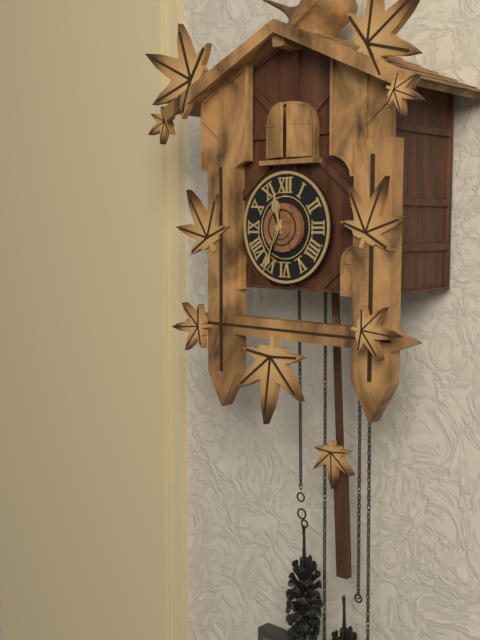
11:34
